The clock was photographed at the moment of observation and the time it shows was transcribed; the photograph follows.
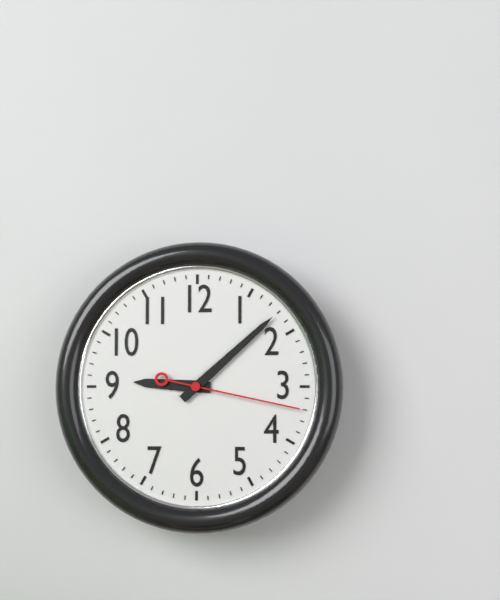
9:08:17
